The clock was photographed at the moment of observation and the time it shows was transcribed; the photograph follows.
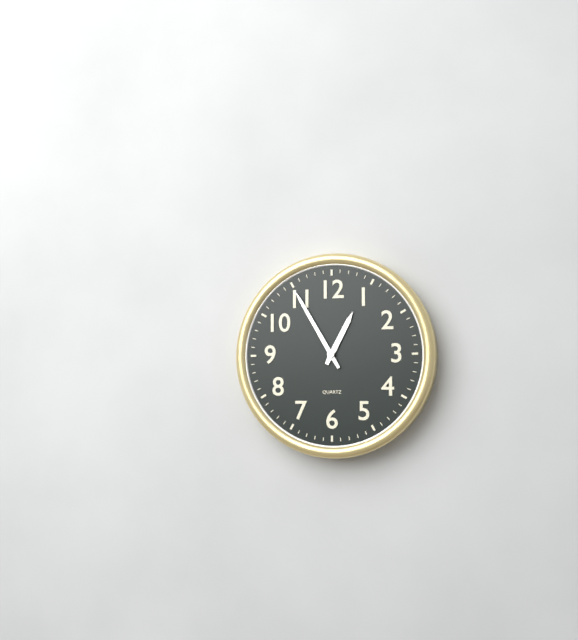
12:55
